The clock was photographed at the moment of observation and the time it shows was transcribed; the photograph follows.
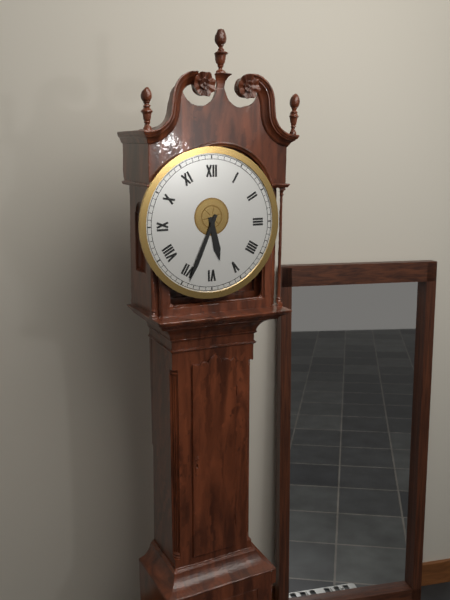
5:34
